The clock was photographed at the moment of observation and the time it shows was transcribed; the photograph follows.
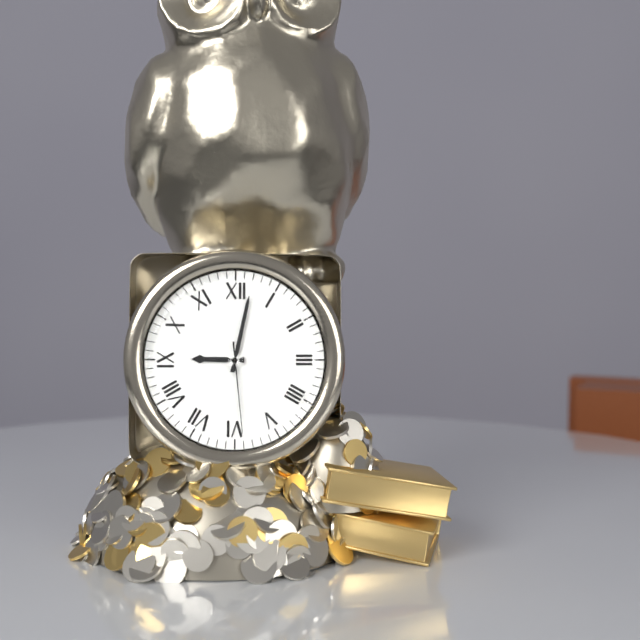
9:02:29
